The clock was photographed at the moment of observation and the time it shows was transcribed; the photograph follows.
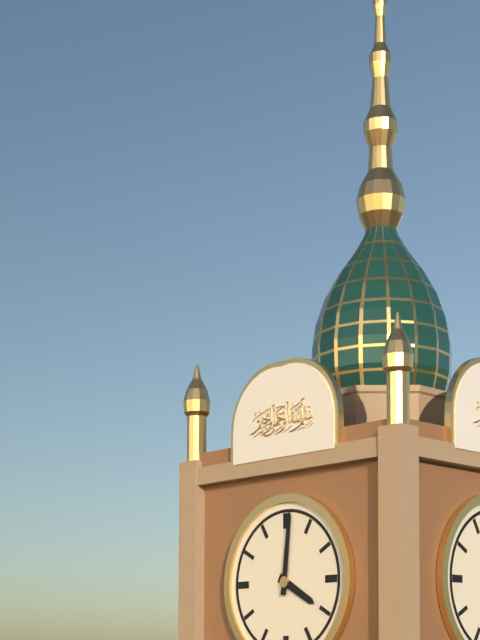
4:01
